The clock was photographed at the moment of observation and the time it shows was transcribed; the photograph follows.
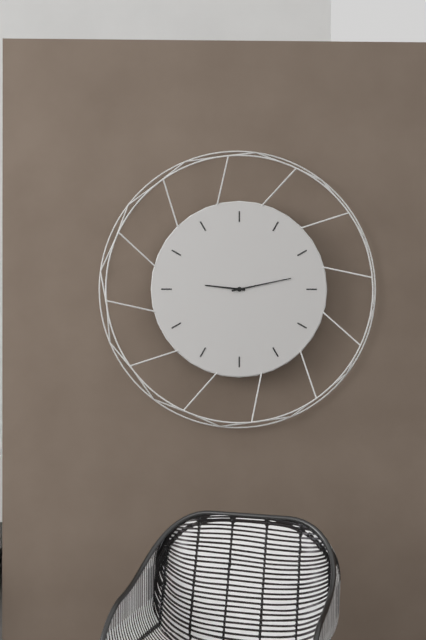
9:13
